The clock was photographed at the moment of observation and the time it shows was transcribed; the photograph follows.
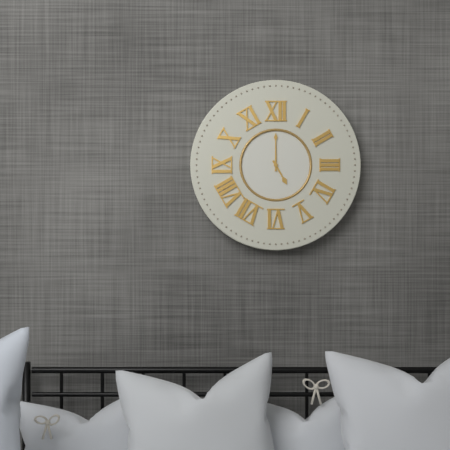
5:00
